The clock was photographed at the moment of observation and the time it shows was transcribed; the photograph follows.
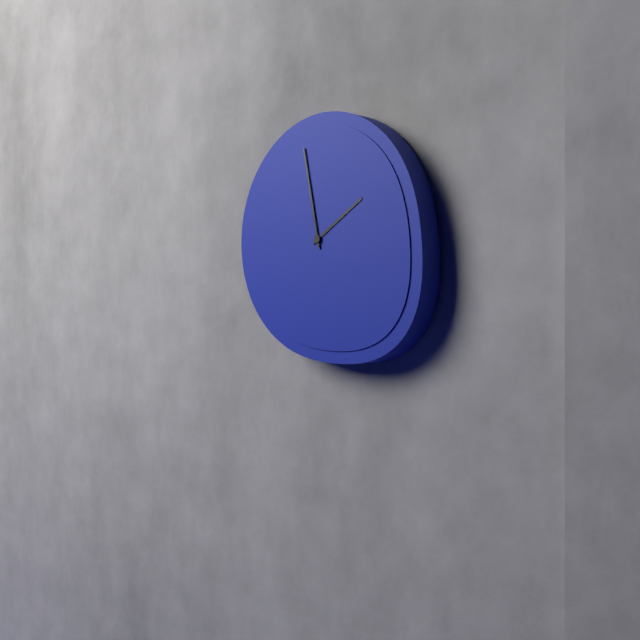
1:58
